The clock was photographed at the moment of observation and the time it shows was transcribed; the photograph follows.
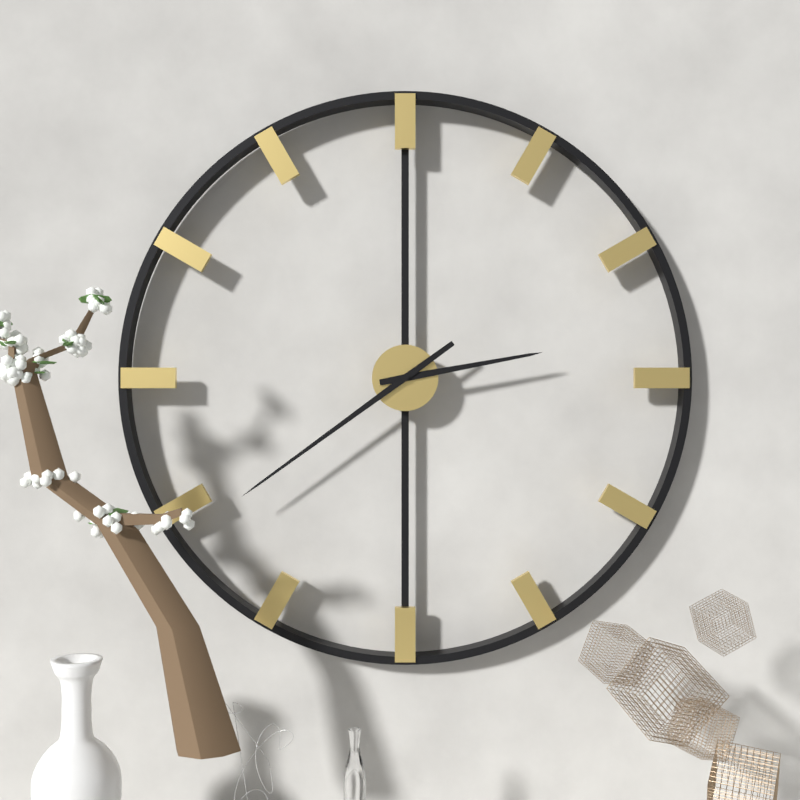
2:39
